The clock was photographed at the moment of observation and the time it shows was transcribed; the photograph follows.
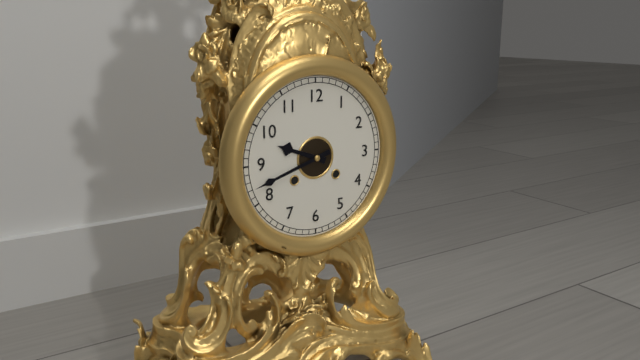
9:42
